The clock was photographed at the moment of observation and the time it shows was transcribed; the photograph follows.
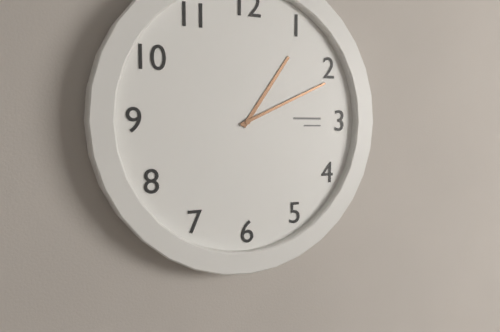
1:11
